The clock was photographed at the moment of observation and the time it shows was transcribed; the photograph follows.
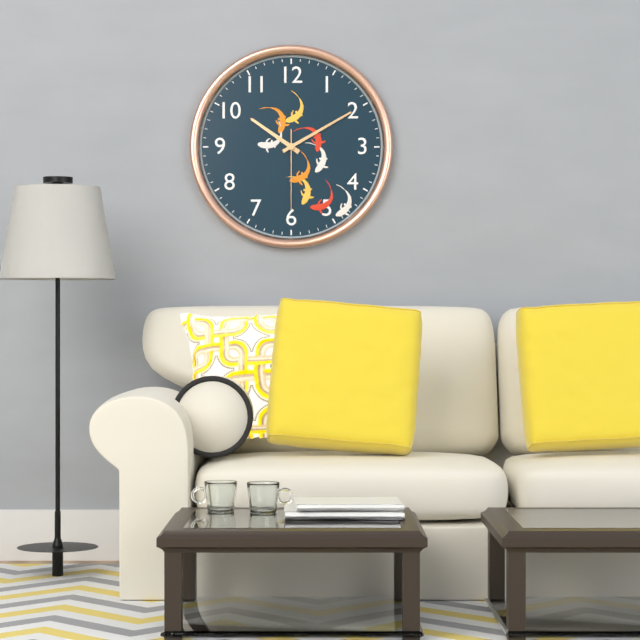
10:10:30
